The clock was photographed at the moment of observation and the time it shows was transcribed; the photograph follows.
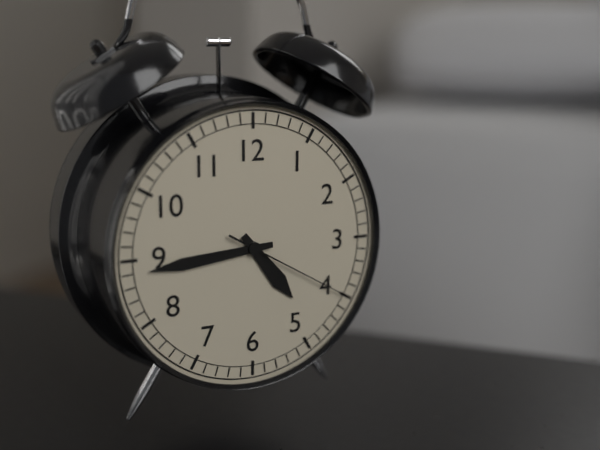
4:44:20
